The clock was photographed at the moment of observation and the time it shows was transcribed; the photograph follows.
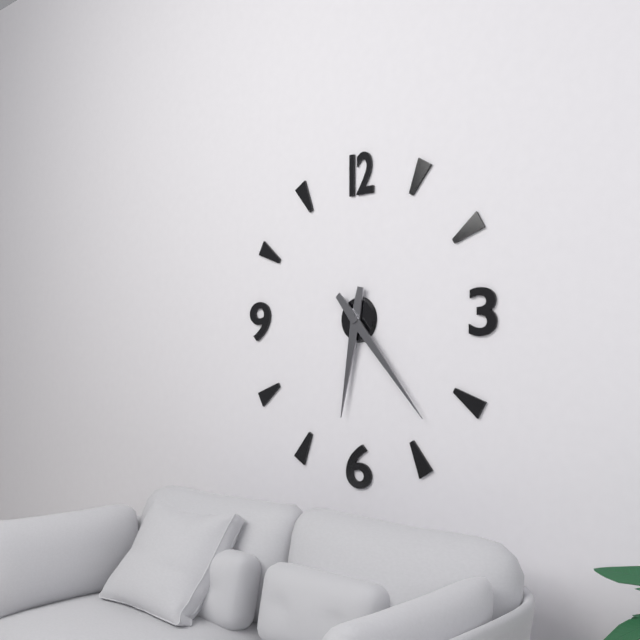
6:23
